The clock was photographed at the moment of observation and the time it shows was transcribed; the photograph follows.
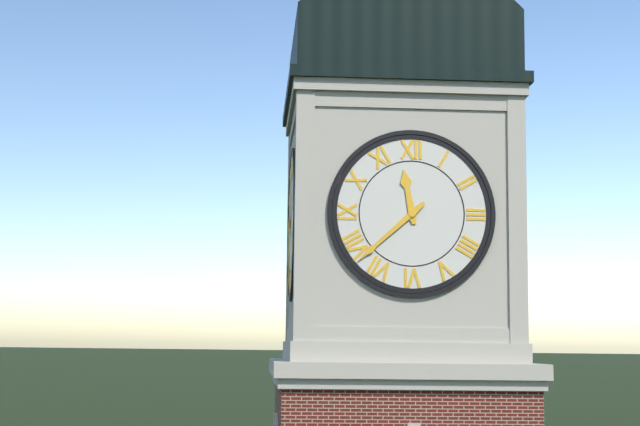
11:38
